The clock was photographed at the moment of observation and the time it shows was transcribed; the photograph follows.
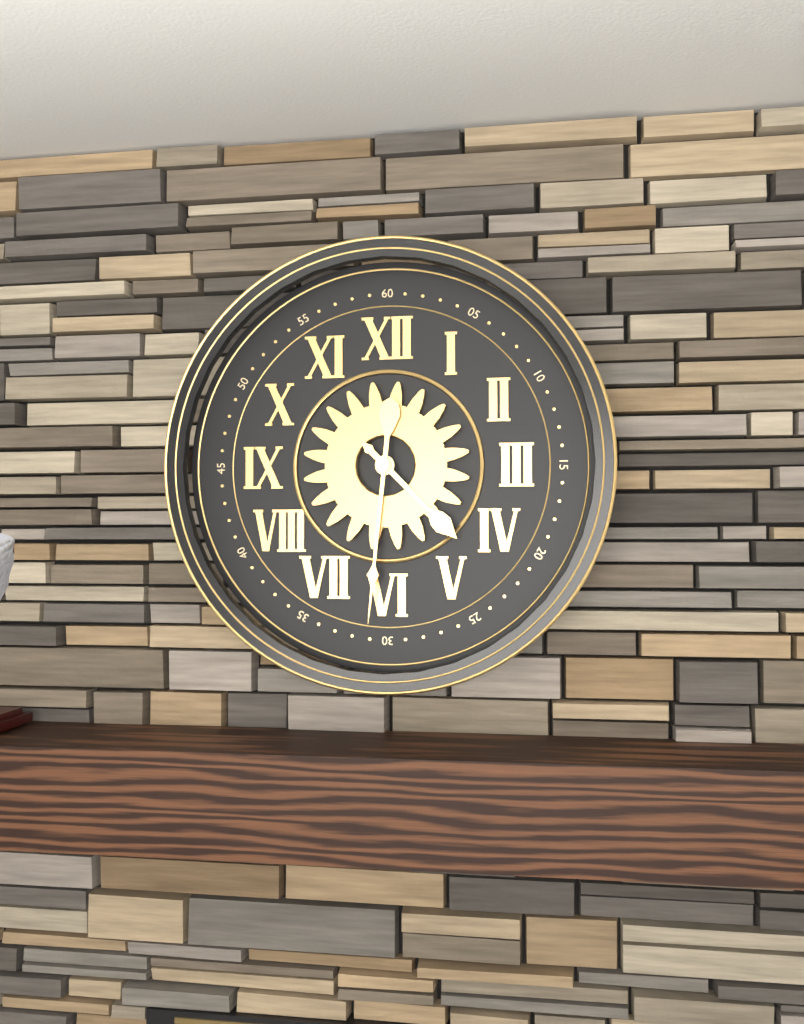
4:31
